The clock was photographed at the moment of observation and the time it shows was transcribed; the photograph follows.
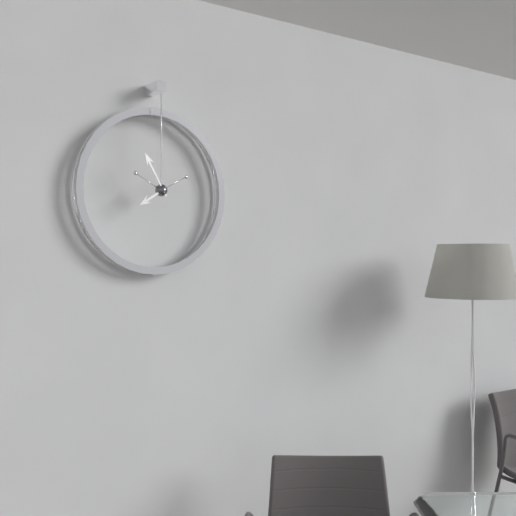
7:55
